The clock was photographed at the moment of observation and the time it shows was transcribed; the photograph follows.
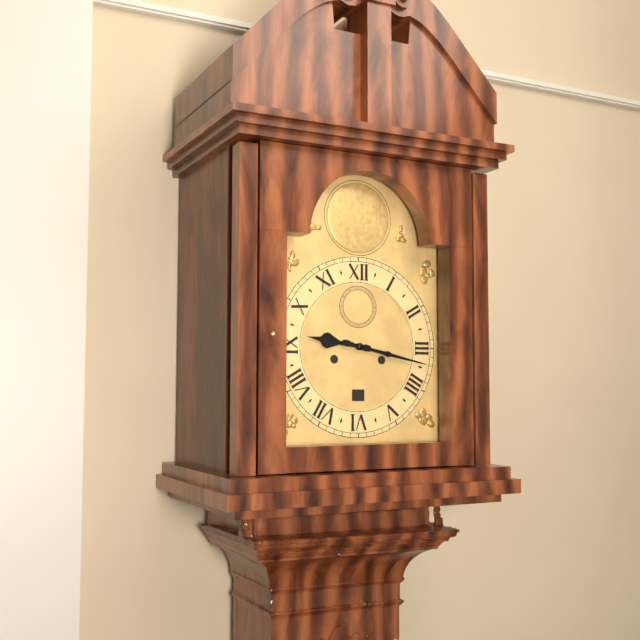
9:17
